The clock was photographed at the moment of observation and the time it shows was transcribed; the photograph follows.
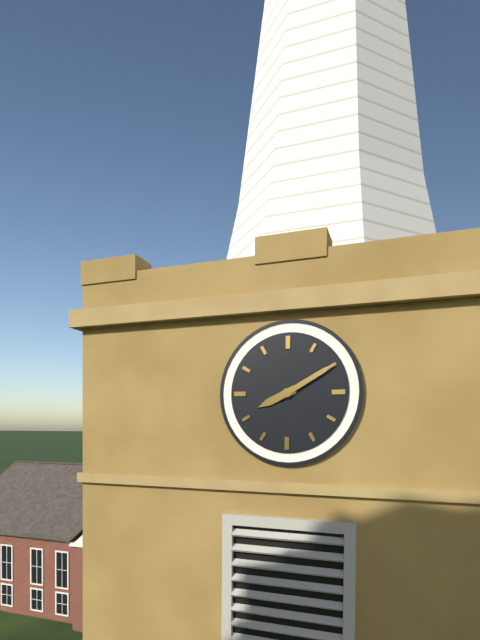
8:10
